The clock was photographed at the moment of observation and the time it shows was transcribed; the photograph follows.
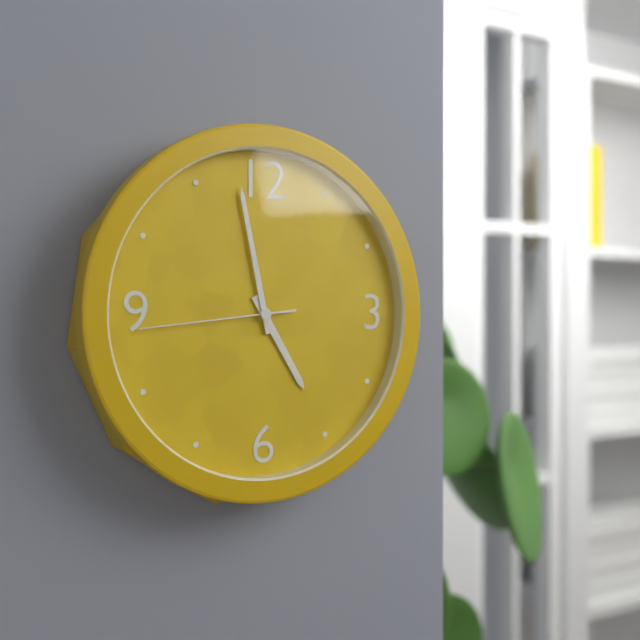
4:58:44
